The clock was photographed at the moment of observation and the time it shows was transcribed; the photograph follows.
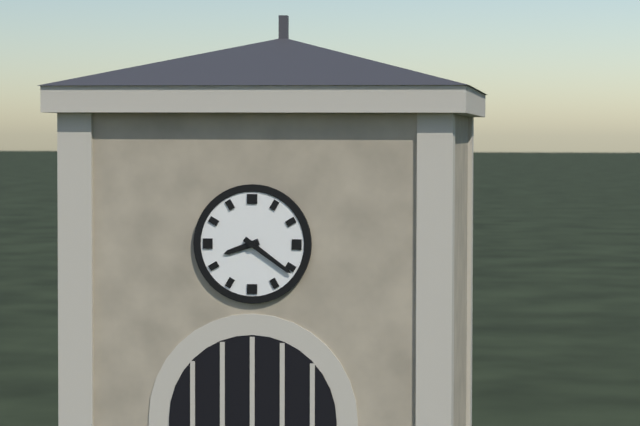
8:21
